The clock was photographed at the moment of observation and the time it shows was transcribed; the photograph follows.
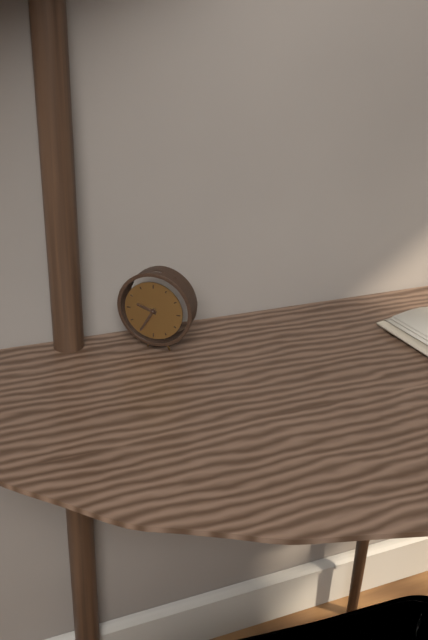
9:35
